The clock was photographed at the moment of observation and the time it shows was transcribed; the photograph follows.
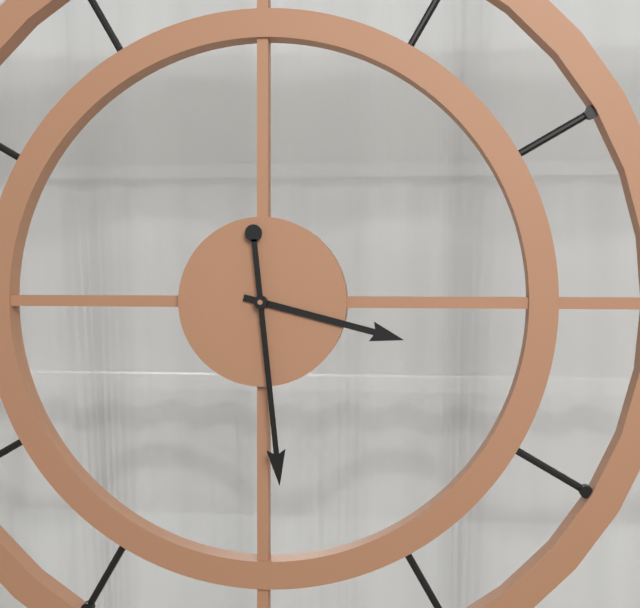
3:29
